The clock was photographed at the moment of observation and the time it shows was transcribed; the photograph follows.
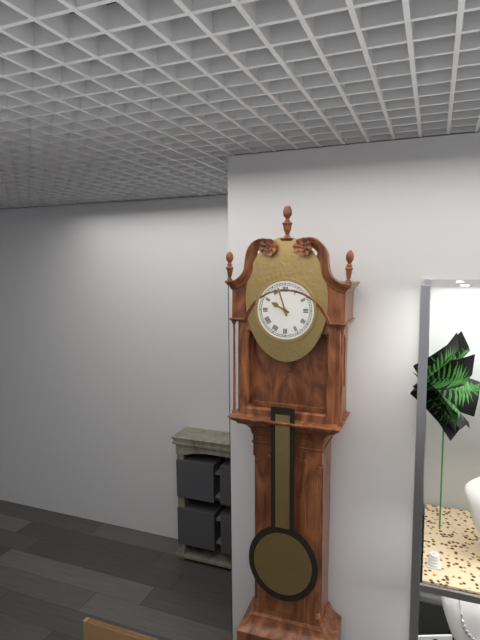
9:57
